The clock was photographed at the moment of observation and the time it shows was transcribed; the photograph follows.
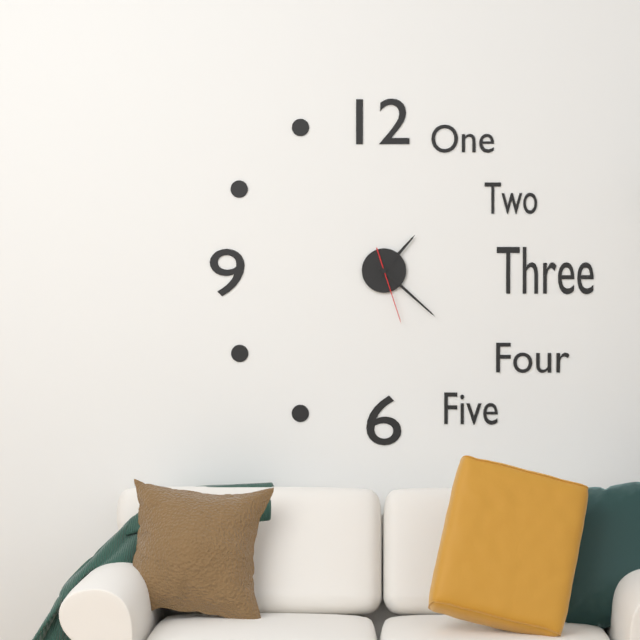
1:22:27
